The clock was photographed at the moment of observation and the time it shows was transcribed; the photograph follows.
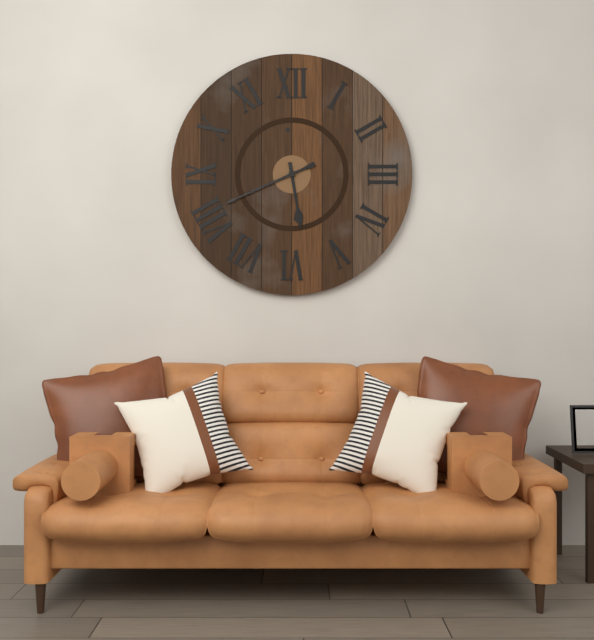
5:41
